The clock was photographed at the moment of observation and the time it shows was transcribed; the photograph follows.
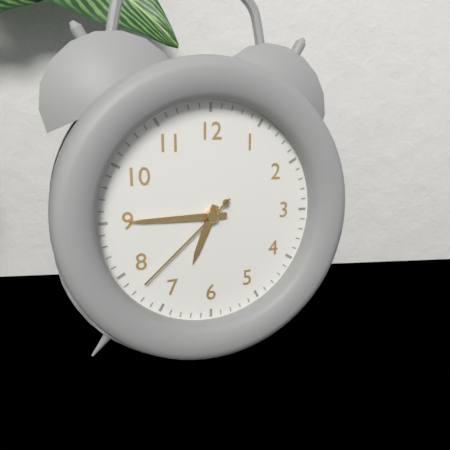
6:45:38
